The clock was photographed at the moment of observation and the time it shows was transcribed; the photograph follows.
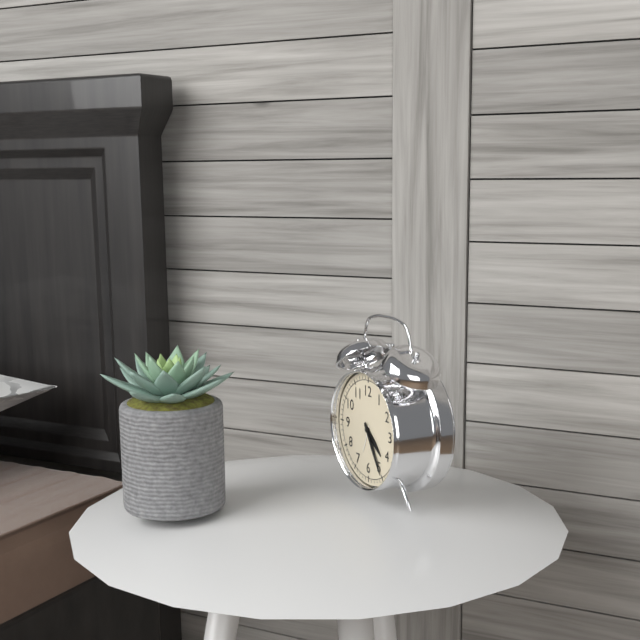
4:25
